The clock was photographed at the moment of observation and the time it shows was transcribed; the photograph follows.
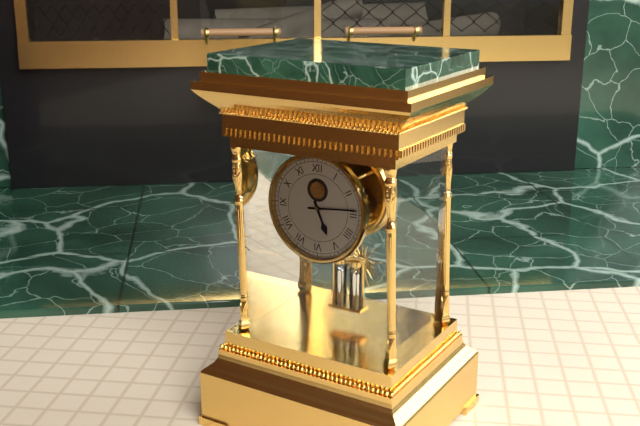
5:14
